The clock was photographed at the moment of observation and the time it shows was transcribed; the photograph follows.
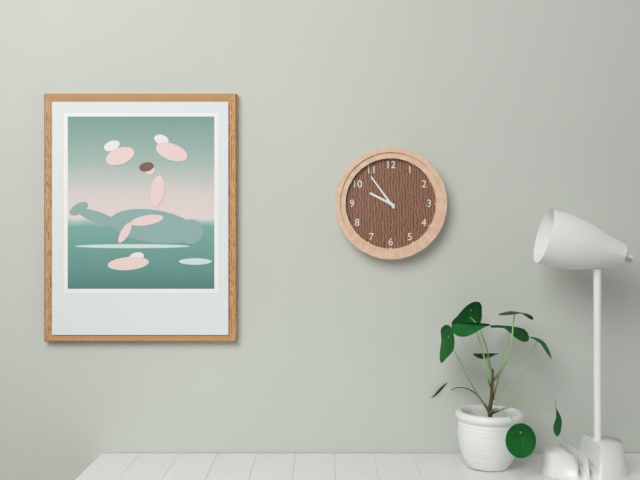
9:54
